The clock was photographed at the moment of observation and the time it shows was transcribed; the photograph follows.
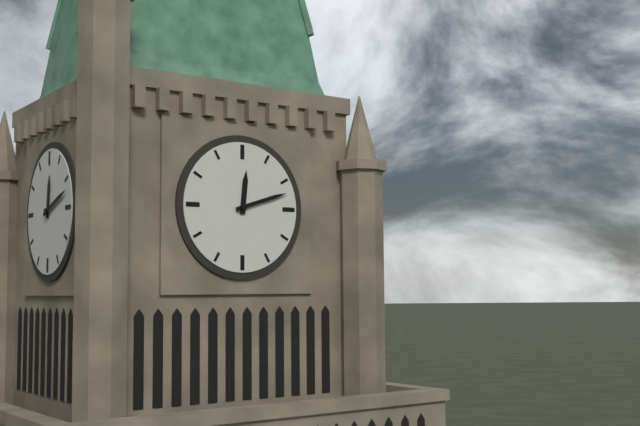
12:12
